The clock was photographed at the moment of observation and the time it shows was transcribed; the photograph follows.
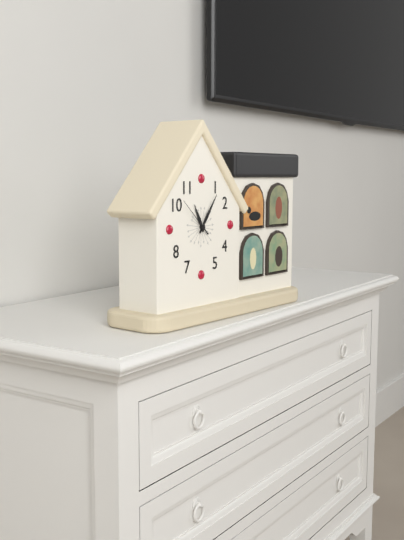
11:06
